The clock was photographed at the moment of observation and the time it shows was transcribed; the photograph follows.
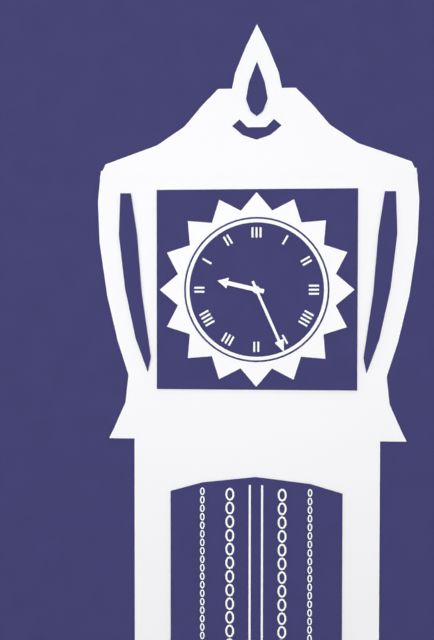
9:26
